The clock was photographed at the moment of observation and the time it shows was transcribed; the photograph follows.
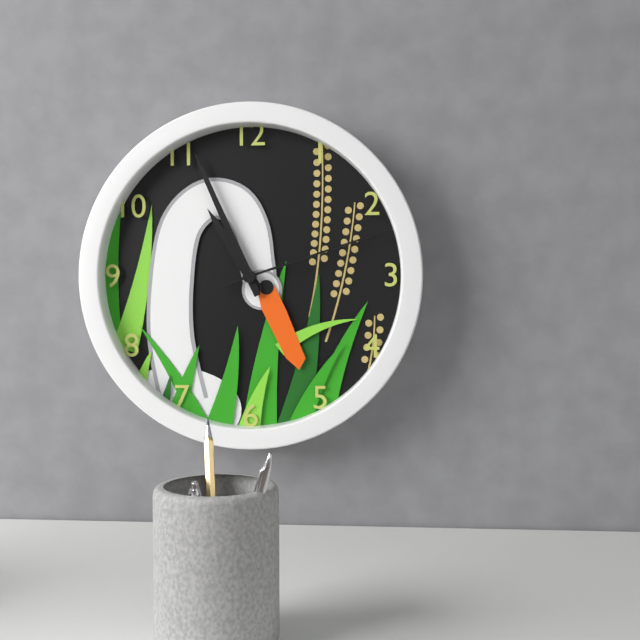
10:56:12
